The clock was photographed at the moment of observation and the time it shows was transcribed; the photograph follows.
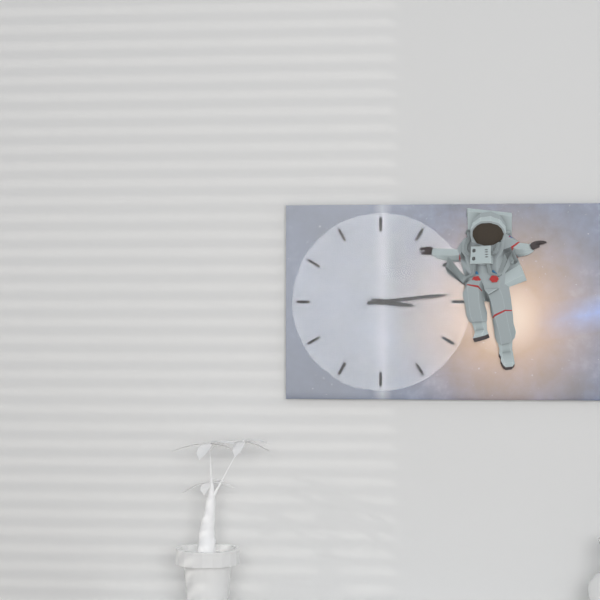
3:14
